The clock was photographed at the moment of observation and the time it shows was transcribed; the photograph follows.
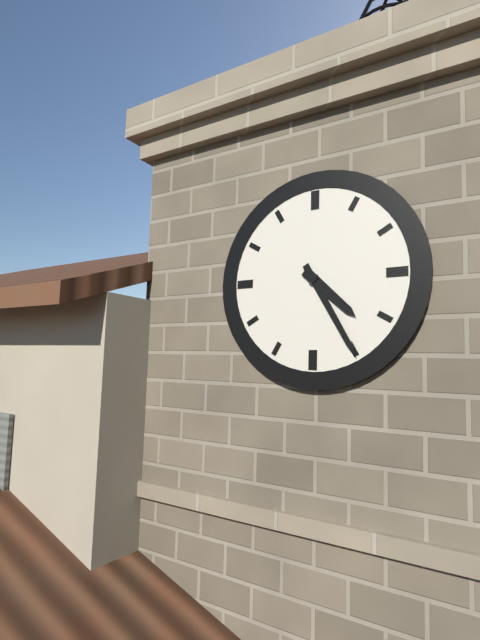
4:25
